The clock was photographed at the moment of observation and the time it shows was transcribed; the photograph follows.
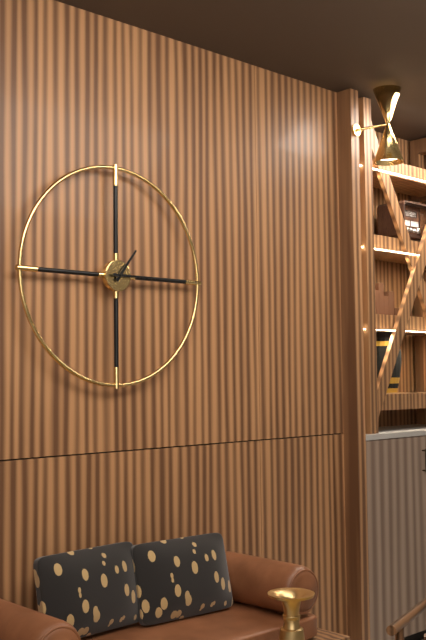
1:15
